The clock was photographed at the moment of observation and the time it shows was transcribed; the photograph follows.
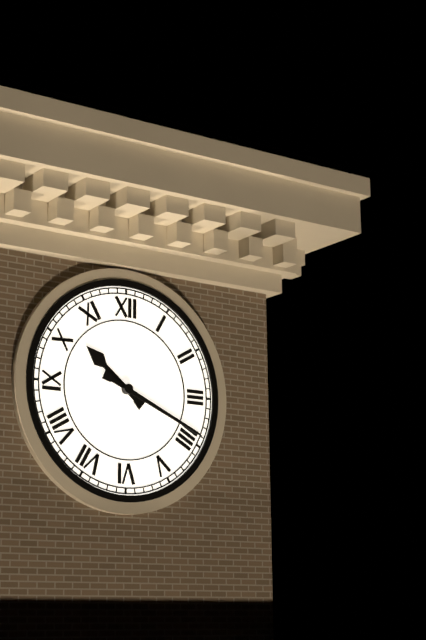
10:19
